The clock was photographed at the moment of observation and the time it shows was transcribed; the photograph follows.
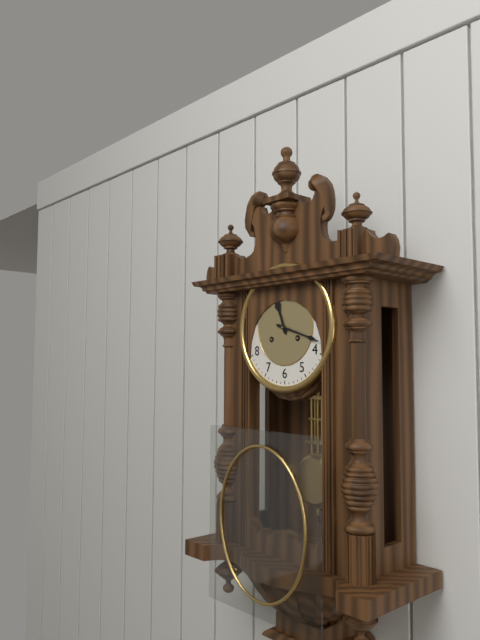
11:18
